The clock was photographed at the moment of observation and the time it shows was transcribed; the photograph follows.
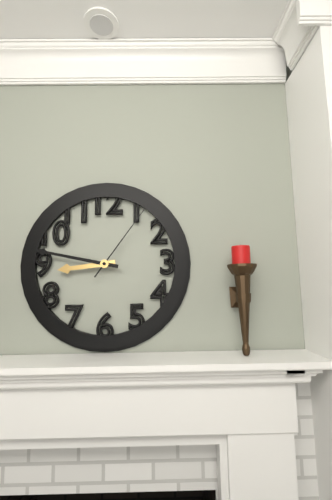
8:47:06
